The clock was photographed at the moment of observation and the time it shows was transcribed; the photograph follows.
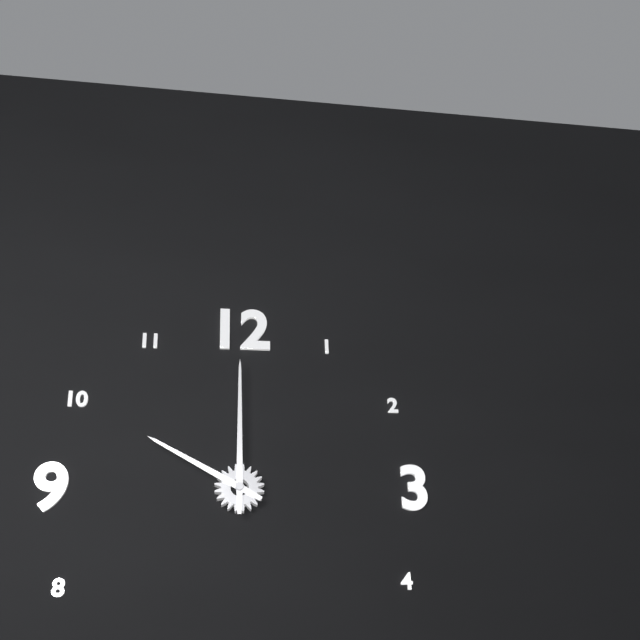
10:00
